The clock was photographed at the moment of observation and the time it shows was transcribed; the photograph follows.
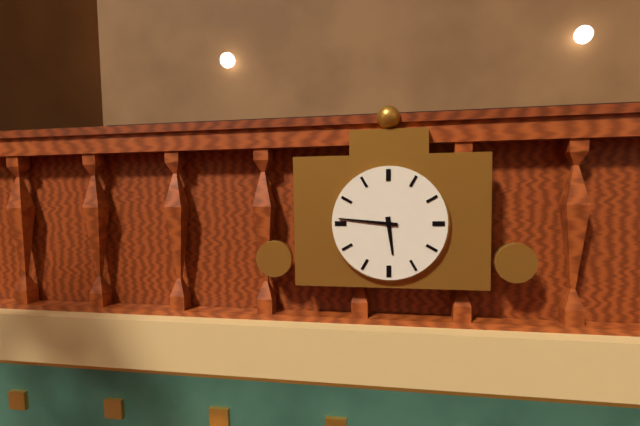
5:46
